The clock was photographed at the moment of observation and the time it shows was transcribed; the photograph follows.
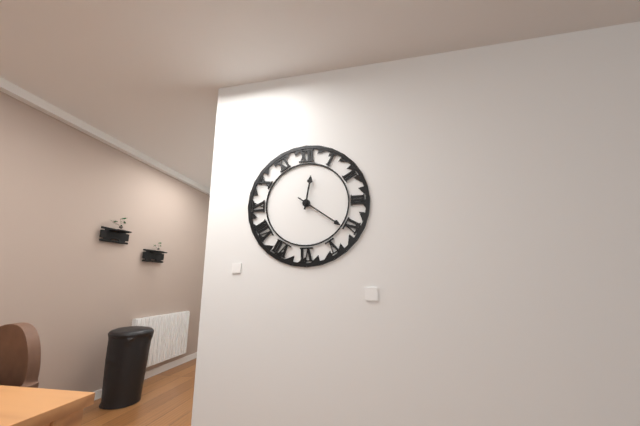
12:21
